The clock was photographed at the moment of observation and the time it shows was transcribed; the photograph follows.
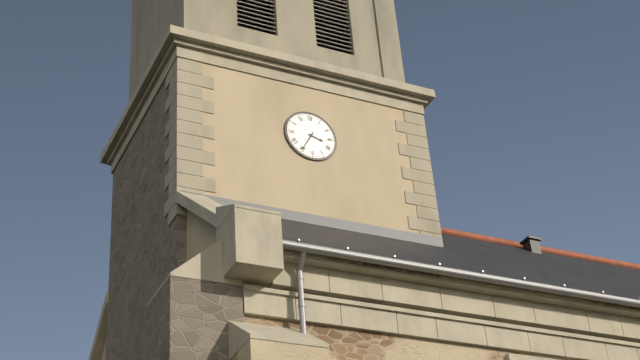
3:35
